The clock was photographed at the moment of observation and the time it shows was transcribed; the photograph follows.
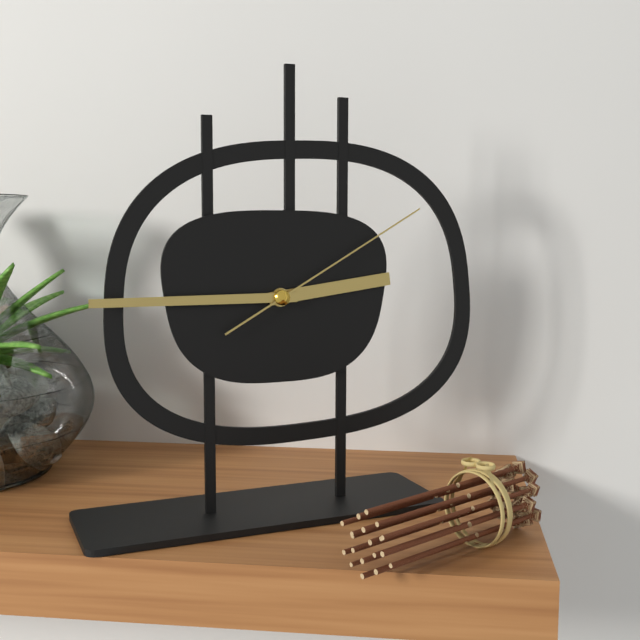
2:45:10
